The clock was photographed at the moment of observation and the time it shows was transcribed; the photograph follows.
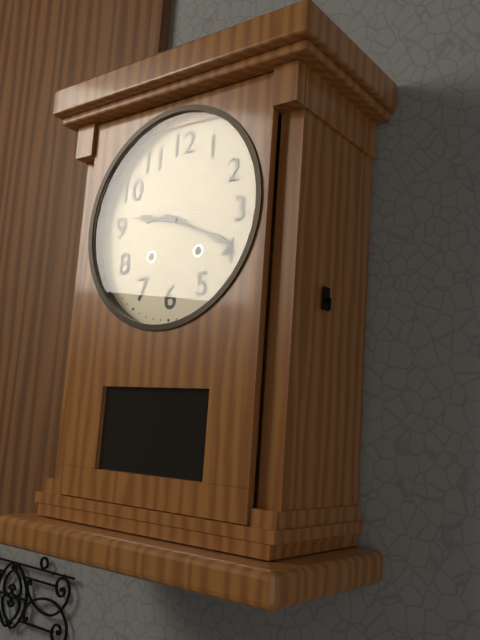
9:19
